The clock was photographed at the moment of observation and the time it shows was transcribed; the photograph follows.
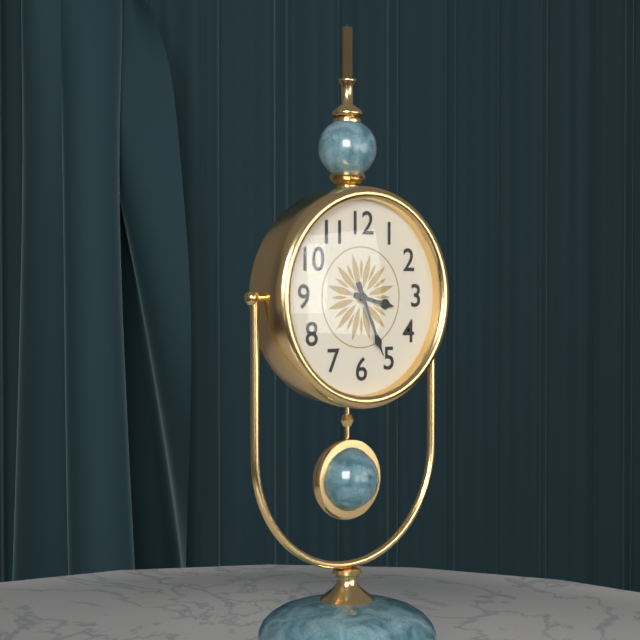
3:26
